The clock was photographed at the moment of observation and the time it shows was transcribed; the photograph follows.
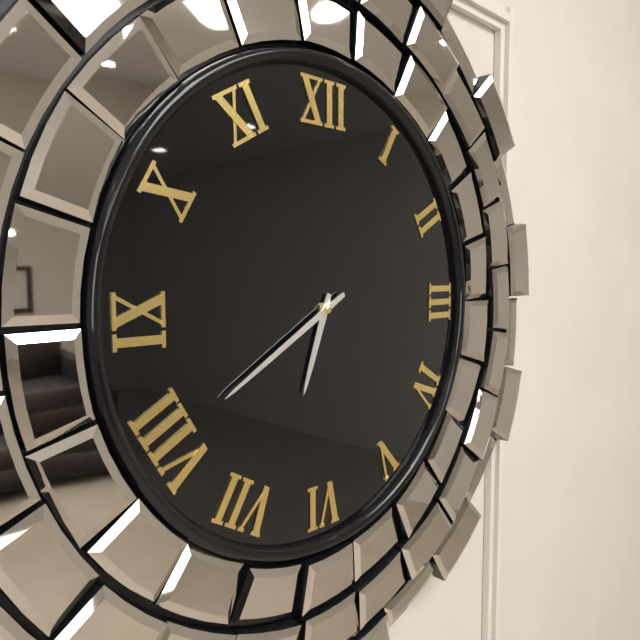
6:40
